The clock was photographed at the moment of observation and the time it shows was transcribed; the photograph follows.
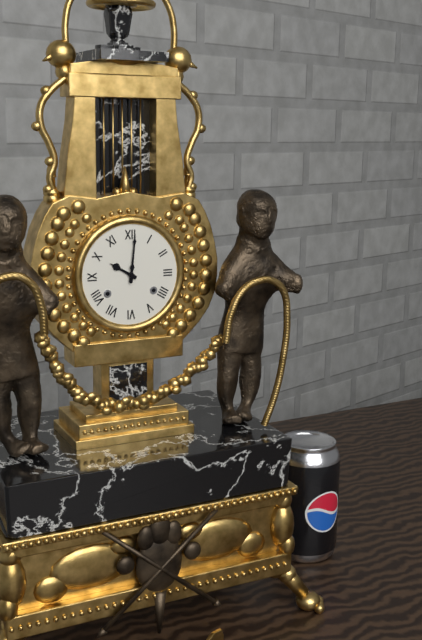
10:01
